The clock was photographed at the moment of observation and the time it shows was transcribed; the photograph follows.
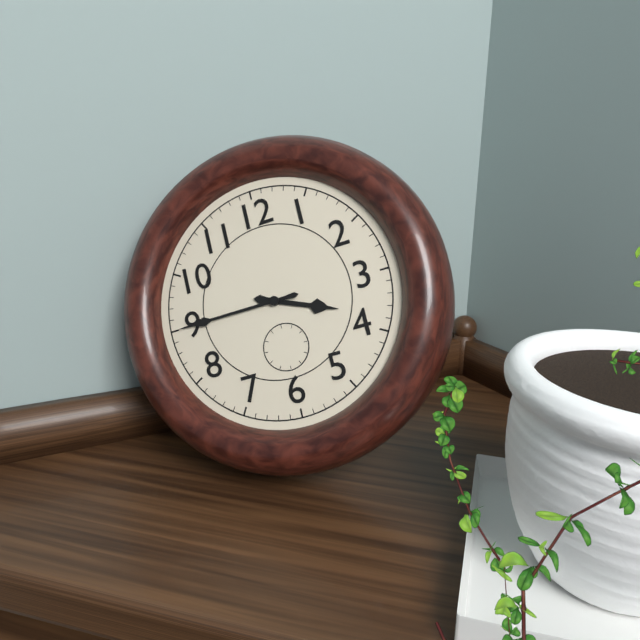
3:45
